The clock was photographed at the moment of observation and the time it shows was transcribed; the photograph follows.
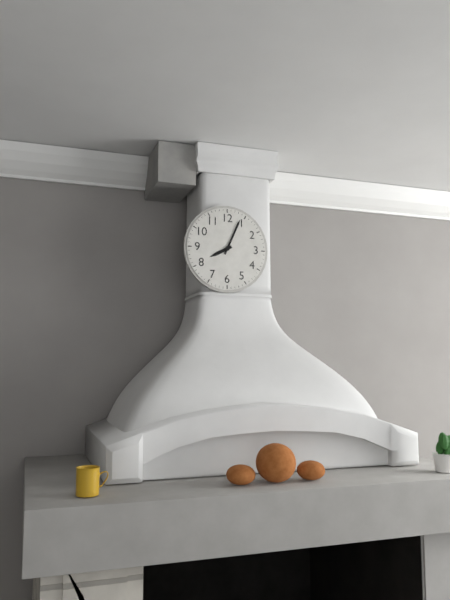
8:04
